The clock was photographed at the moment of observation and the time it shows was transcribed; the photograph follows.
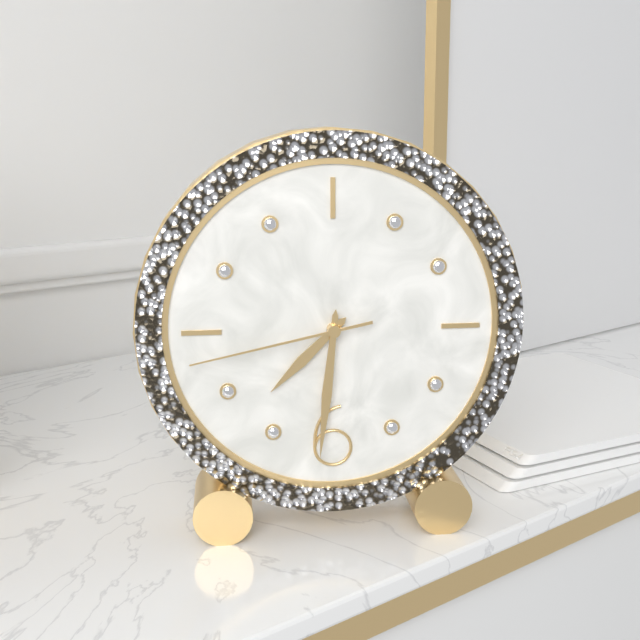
7:31:43
